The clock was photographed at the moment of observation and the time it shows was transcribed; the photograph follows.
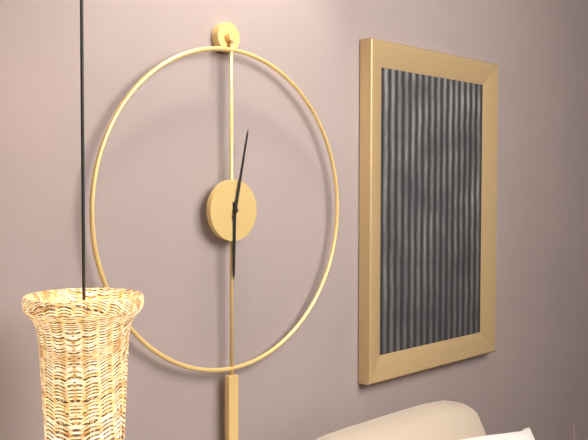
6:02
